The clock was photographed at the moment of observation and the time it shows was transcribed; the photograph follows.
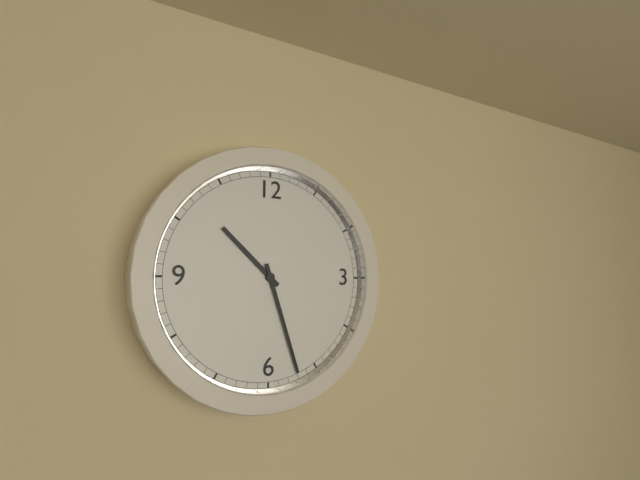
10:27
